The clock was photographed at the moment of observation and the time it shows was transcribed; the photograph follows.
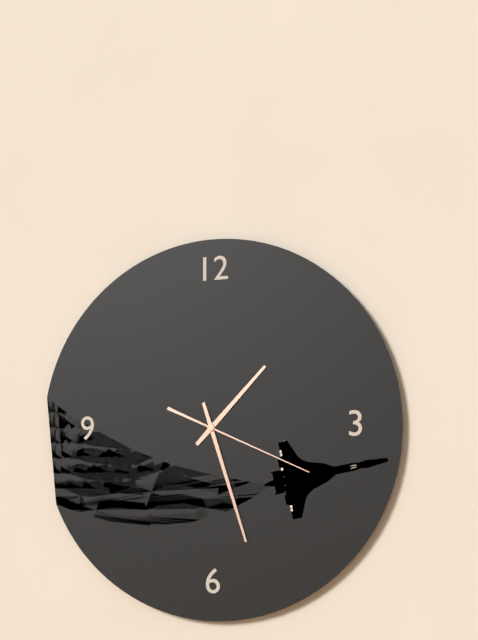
1:27:19
